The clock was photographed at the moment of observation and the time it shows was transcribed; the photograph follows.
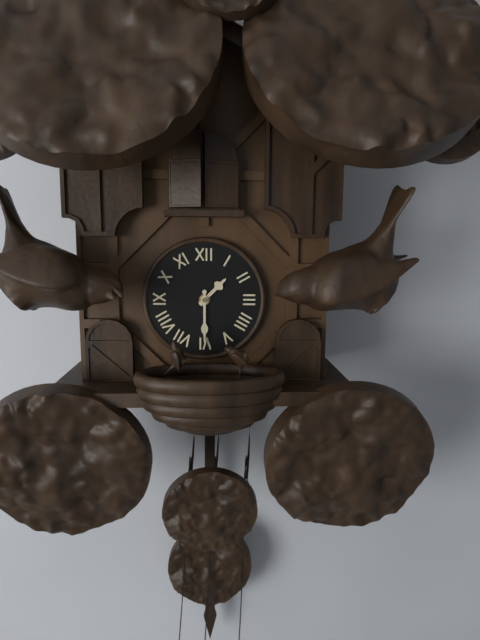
1:30
